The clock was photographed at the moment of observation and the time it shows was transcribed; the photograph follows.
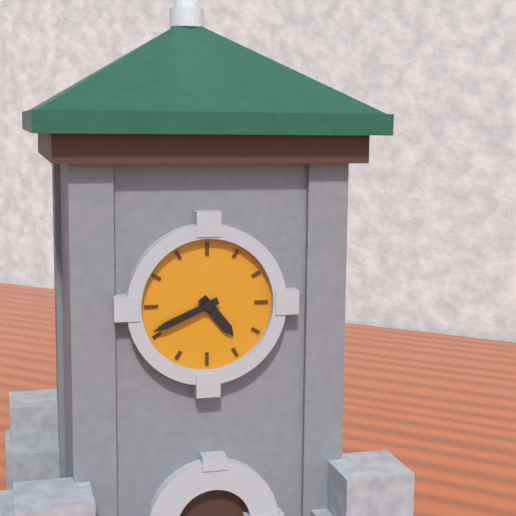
4:41
